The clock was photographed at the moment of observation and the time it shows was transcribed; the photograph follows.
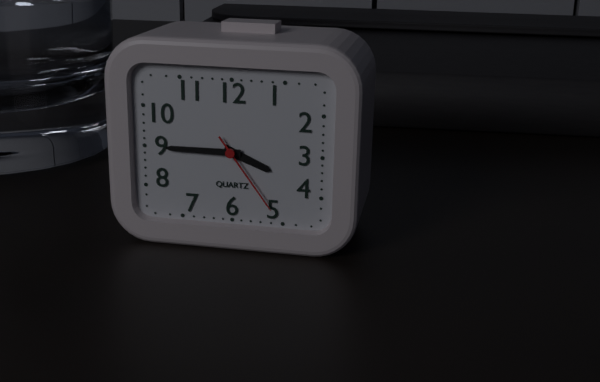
3:45:24
